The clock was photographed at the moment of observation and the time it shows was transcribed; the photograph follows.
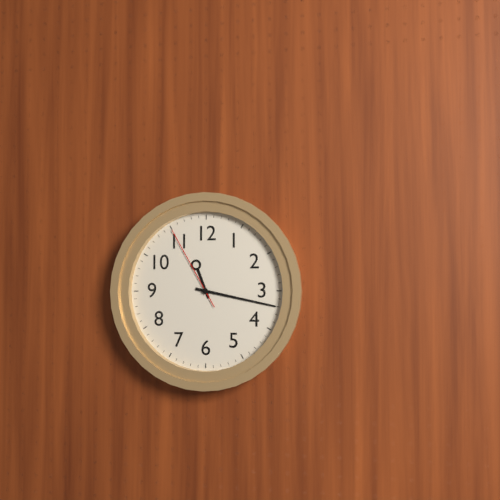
11:17:55
